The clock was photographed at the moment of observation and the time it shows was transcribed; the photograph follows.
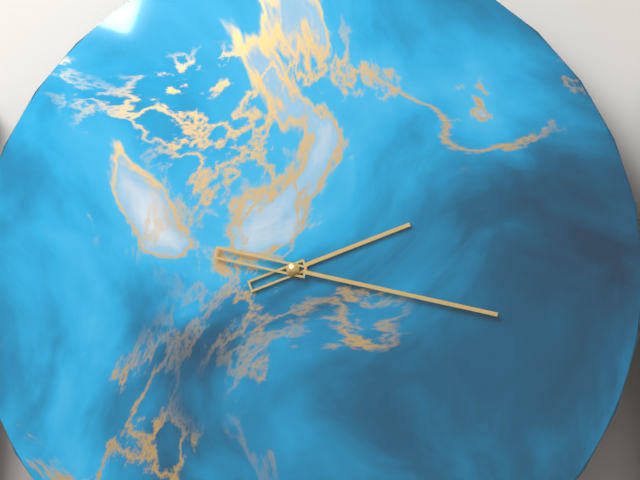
2:17
